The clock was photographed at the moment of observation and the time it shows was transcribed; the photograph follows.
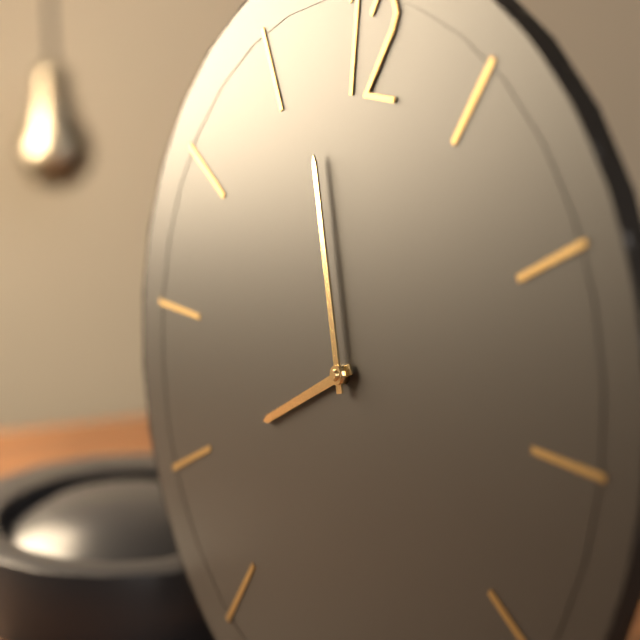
7:57
